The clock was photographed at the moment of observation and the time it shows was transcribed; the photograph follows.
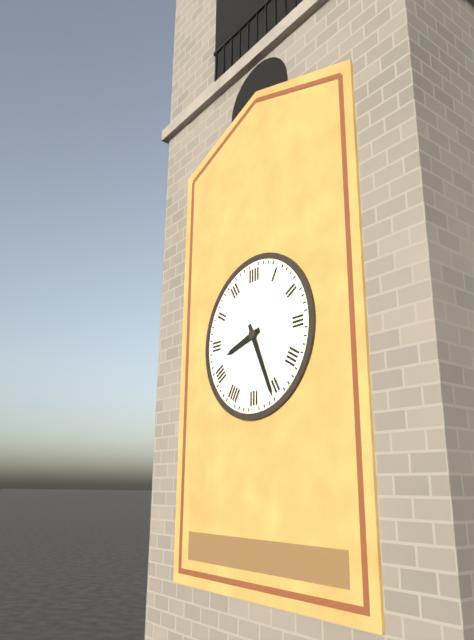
8:26
